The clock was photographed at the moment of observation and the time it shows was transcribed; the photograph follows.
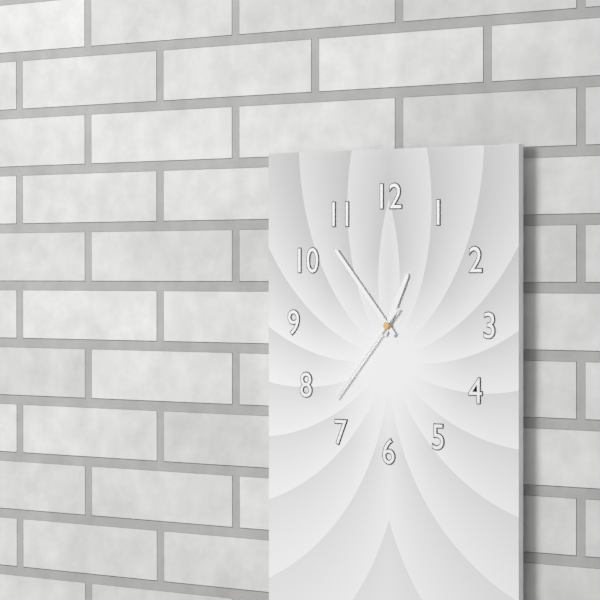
12:53:37
